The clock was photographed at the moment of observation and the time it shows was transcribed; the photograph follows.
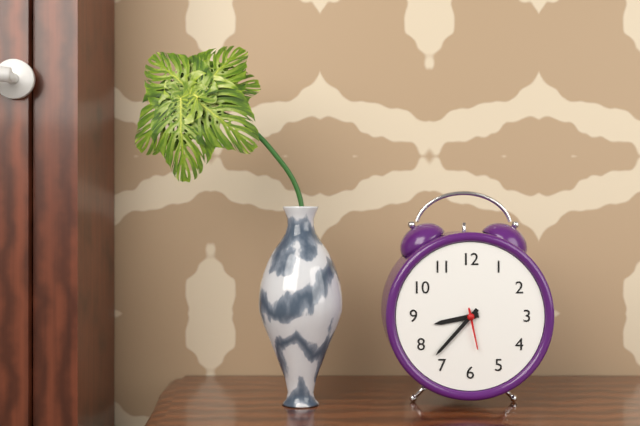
8:37
